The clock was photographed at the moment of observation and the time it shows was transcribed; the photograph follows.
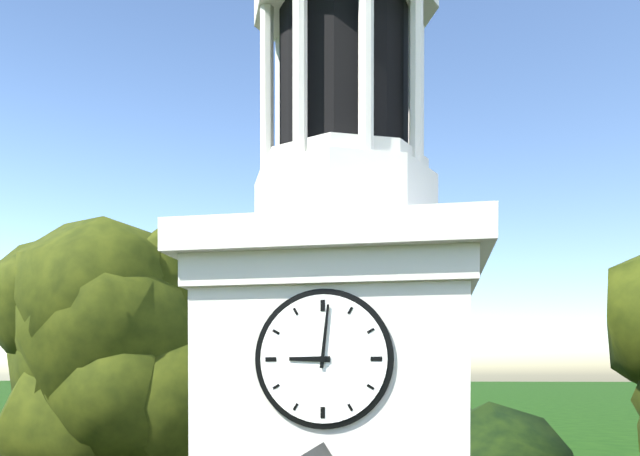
9:01
